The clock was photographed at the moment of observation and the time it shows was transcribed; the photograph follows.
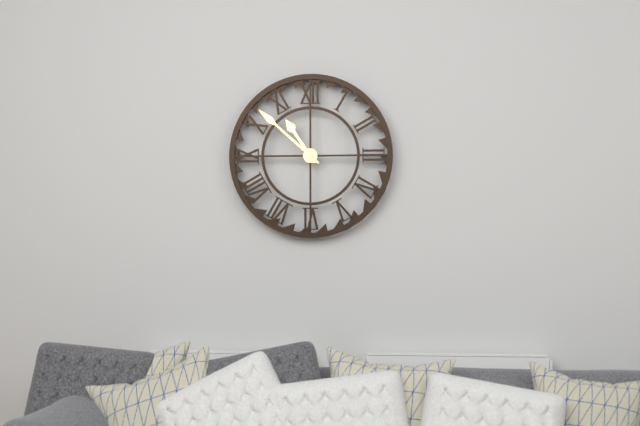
10:52
